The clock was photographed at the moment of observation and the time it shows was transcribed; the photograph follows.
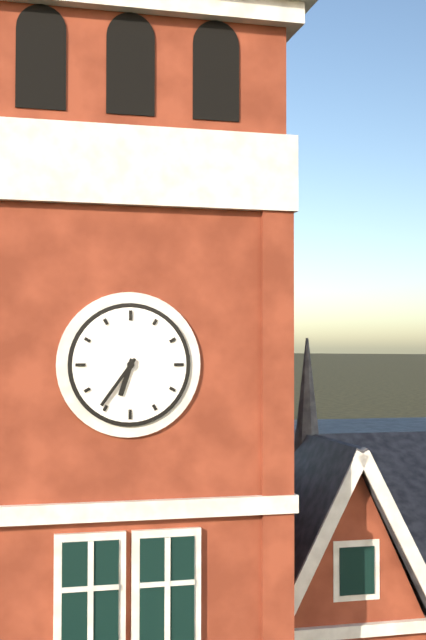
6:36
